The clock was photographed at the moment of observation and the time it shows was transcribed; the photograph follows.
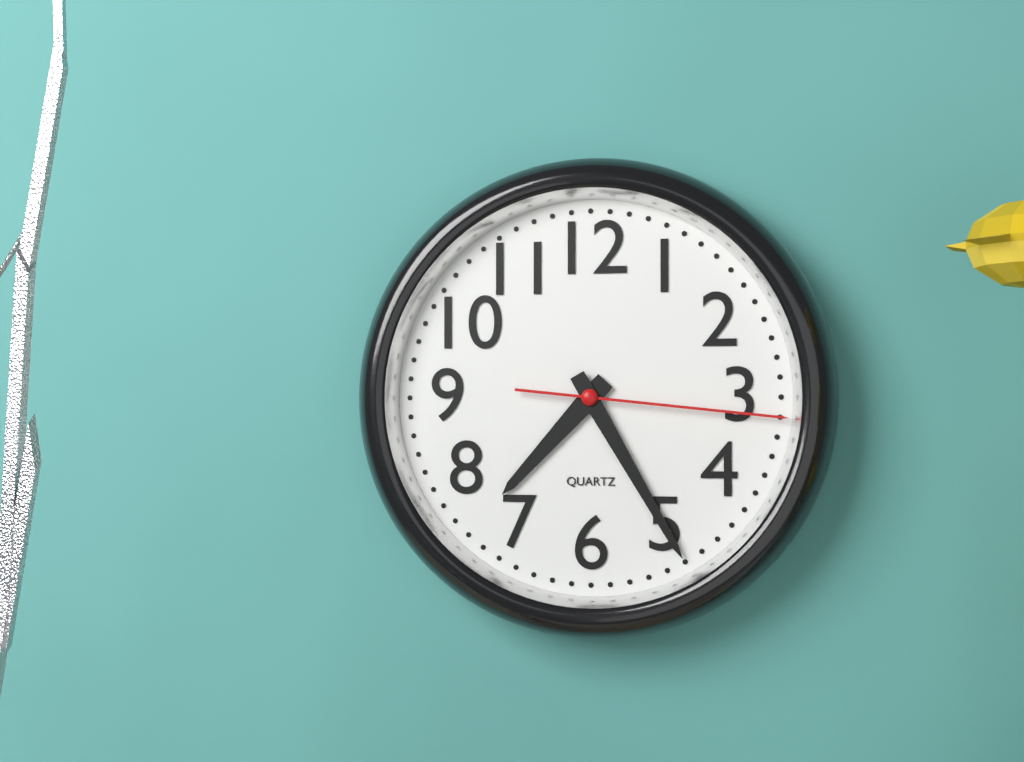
7:25:16
